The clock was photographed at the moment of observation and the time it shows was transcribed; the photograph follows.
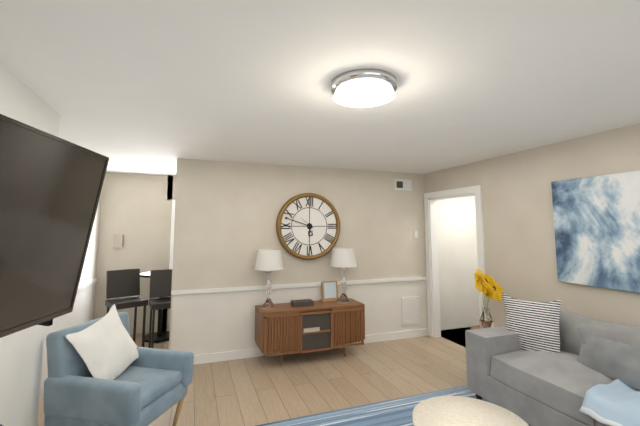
5:48
